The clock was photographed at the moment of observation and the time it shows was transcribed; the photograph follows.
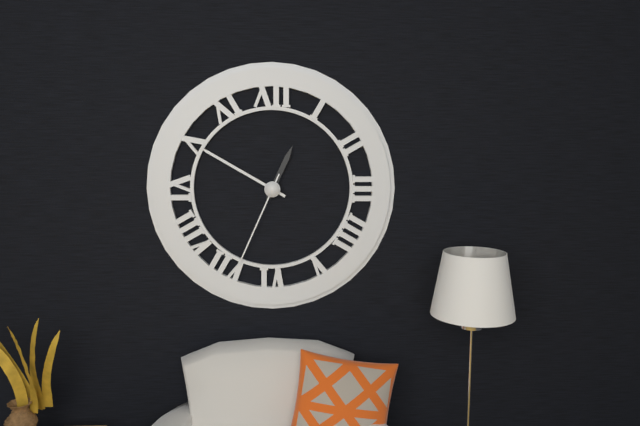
12:50:34
